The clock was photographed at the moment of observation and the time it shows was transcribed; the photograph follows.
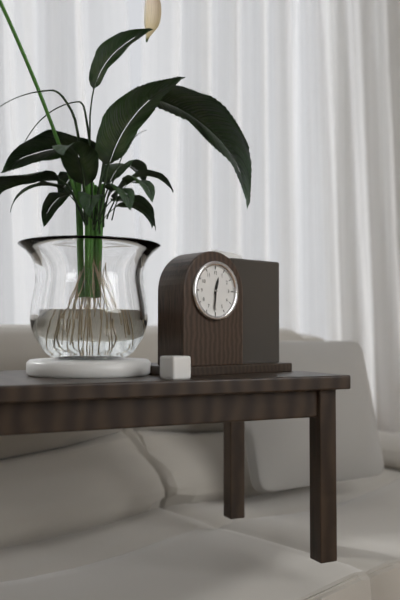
12:31
